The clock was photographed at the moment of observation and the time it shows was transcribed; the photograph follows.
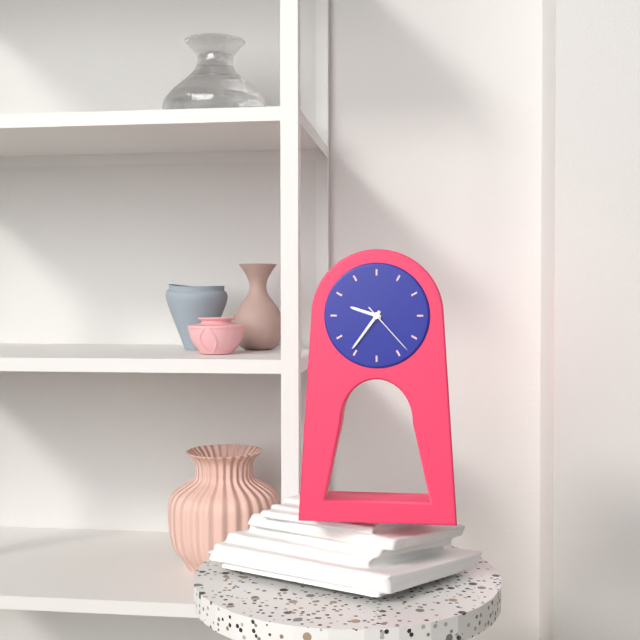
9:36:23
